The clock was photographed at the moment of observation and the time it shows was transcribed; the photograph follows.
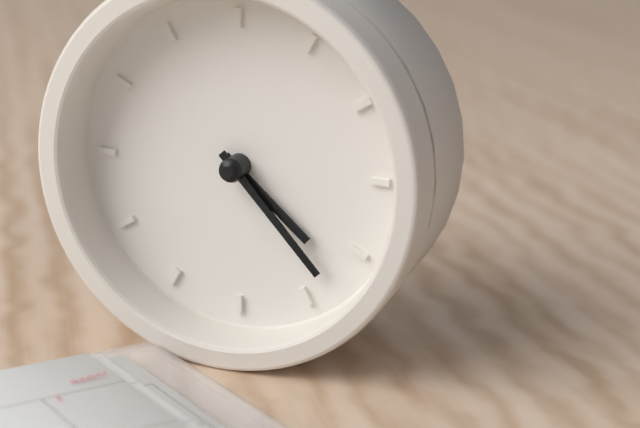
4:23
